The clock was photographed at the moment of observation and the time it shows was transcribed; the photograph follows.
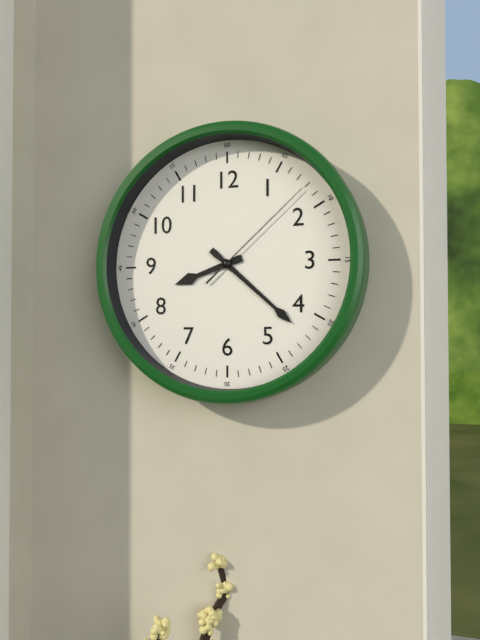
8:22:08
